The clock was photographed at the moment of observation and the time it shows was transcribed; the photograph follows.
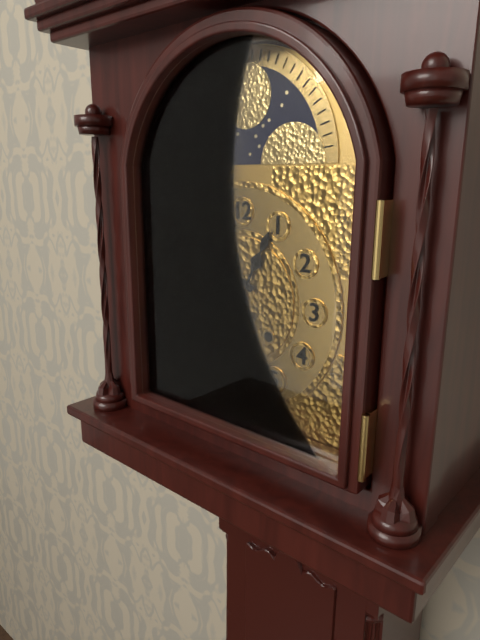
12:54
